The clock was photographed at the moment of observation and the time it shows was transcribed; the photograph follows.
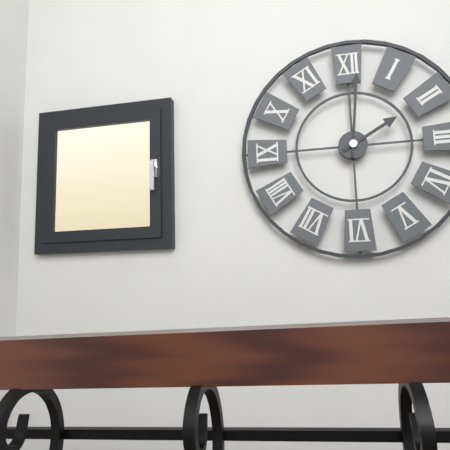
2:01
